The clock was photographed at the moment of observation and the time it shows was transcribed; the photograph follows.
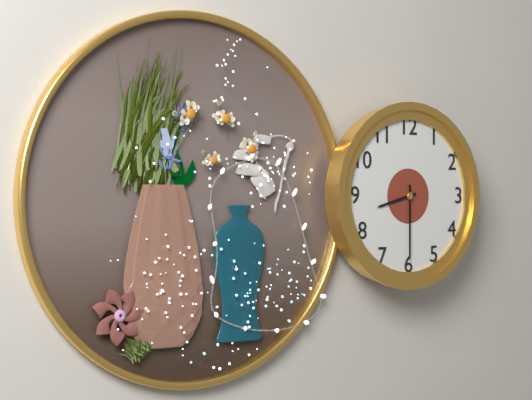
8:30
